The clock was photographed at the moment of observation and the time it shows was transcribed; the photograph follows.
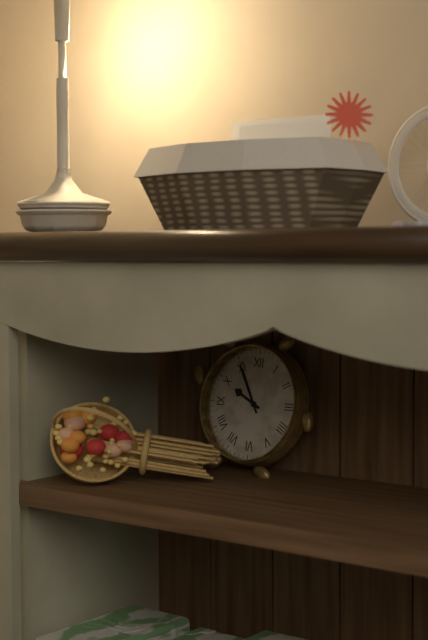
9:55
